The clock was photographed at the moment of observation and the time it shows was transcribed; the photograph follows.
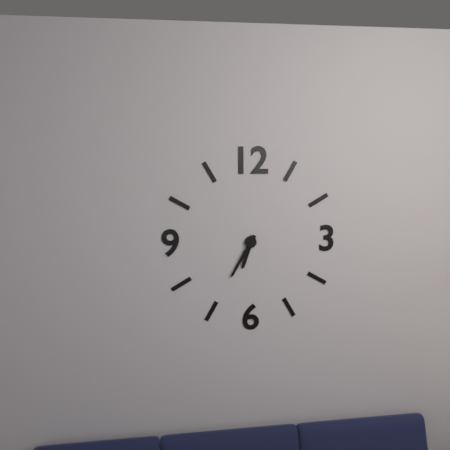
6:35
